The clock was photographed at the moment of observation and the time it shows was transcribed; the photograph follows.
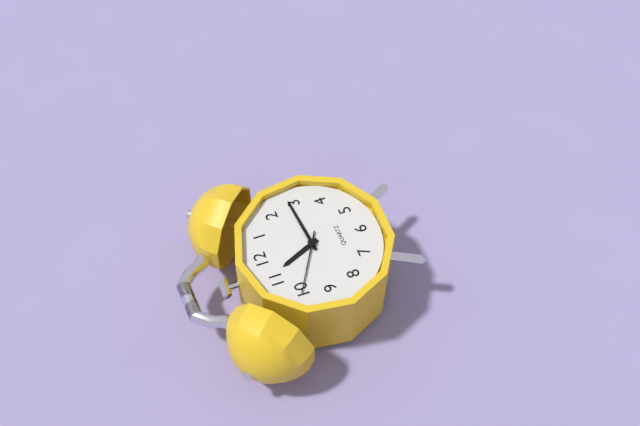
11:14:50
